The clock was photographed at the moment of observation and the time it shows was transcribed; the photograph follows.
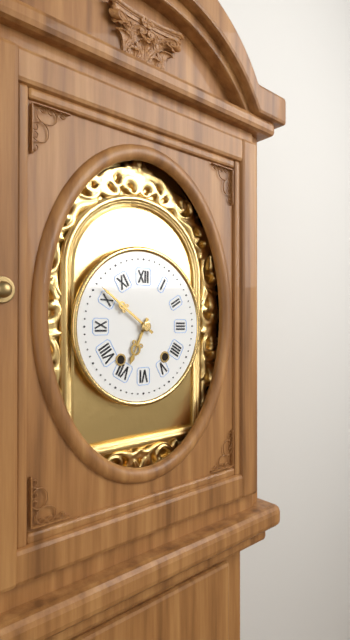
6:51
